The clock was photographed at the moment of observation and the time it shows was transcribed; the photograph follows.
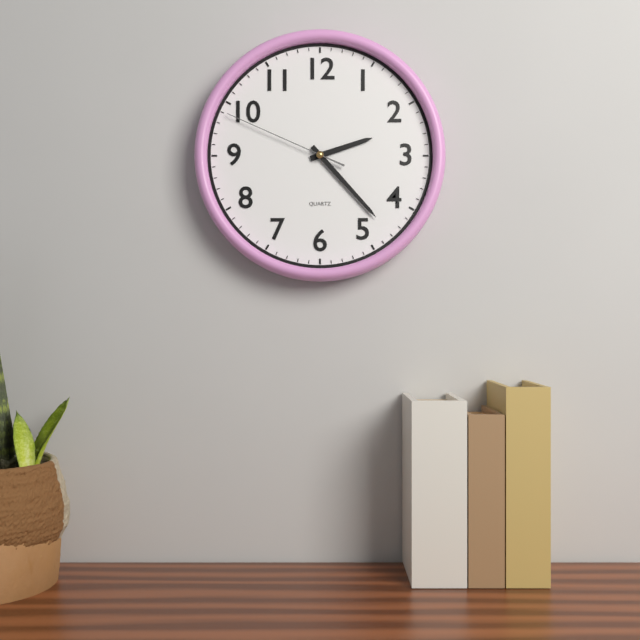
2:23:49
